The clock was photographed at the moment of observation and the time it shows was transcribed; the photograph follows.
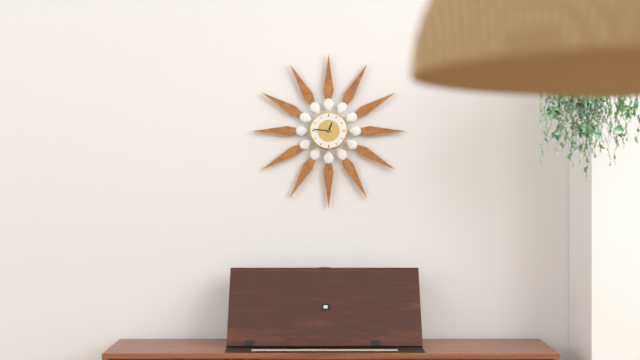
12:46
